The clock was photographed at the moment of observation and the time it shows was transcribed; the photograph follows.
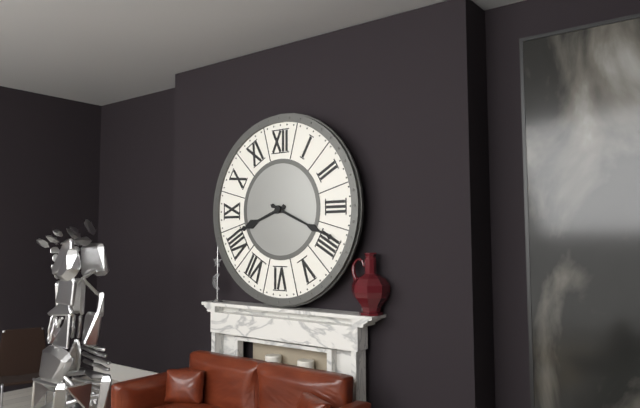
8:19
